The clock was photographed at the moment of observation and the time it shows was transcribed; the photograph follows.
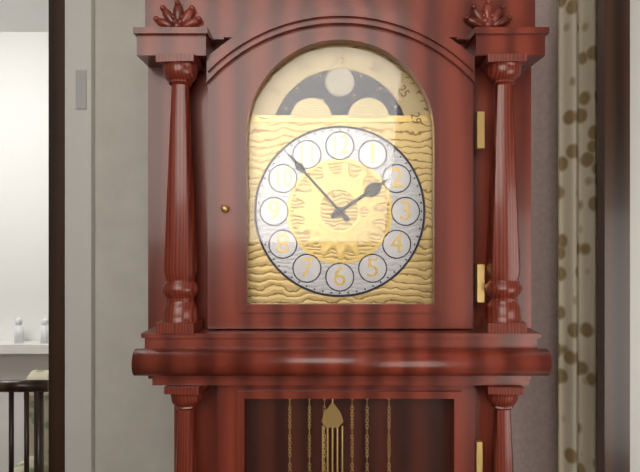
1:53
